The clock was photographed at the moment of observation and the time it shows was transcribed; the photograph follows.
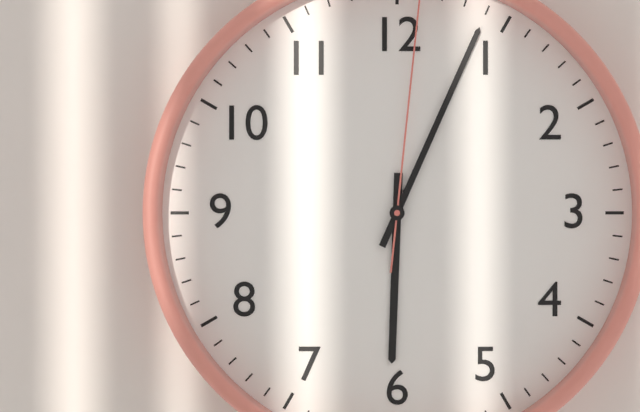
6:04
